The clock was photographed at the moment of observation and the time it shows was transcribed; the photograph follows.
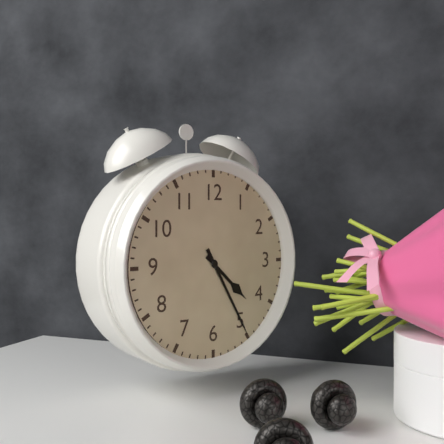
4:25
